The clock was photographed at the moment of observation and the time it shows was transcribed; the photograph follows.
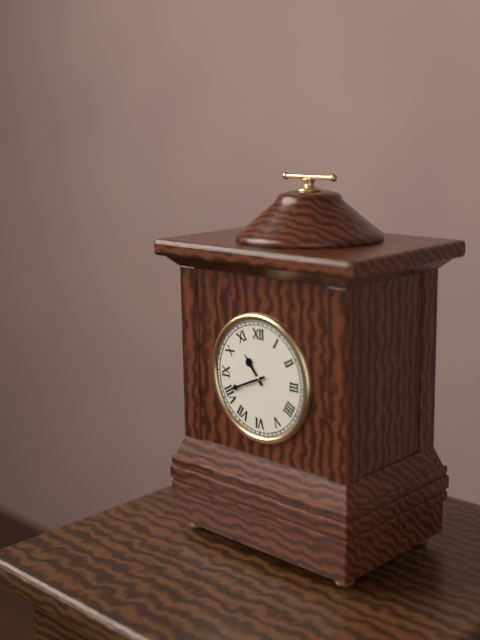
10:41
